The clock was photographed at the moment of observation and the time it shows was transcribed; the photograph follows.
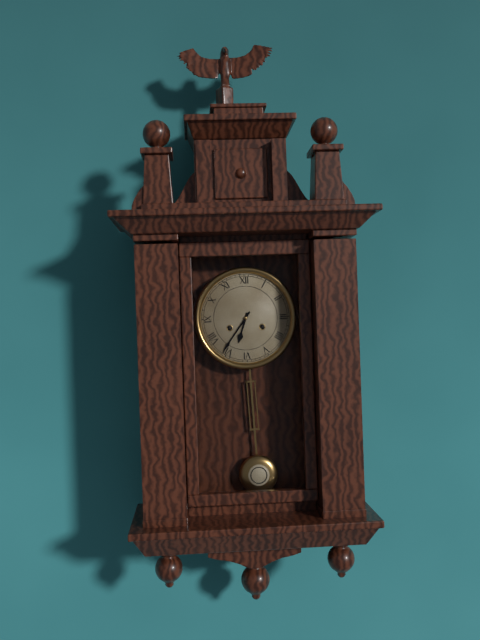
6:36
